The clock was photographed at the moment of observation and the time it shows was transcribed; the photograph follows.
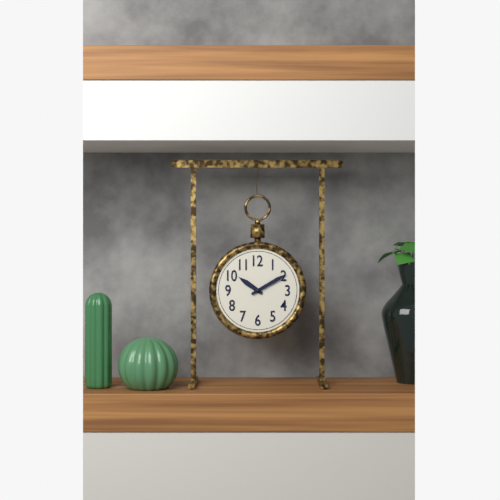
10:10
